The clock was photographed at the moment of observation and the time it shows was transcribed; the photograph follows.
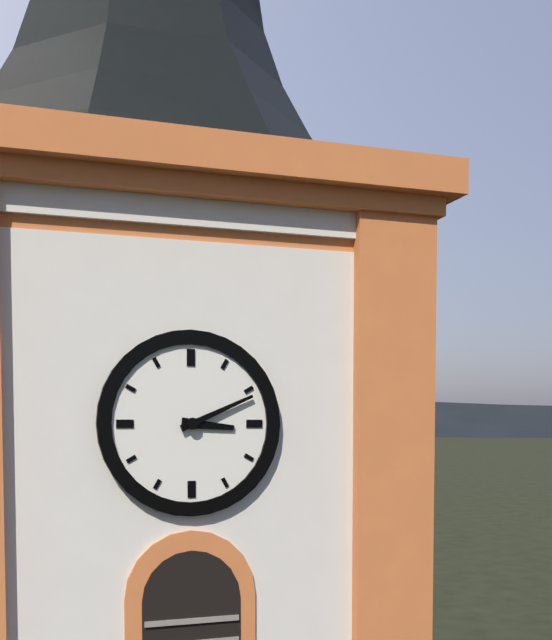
3:11
